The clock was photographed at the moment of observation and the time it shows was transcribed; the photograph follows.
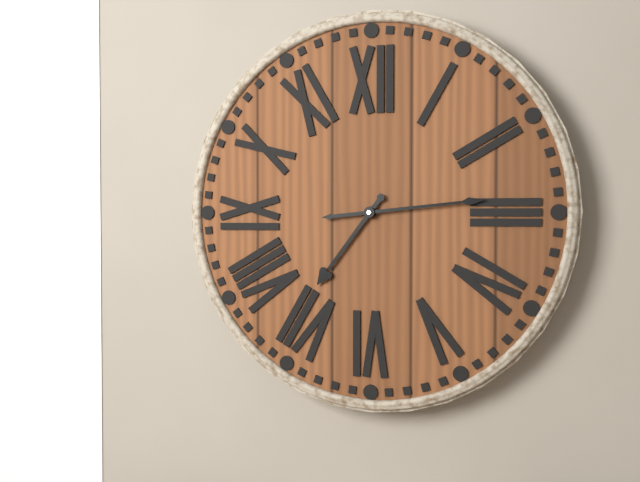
7:14
